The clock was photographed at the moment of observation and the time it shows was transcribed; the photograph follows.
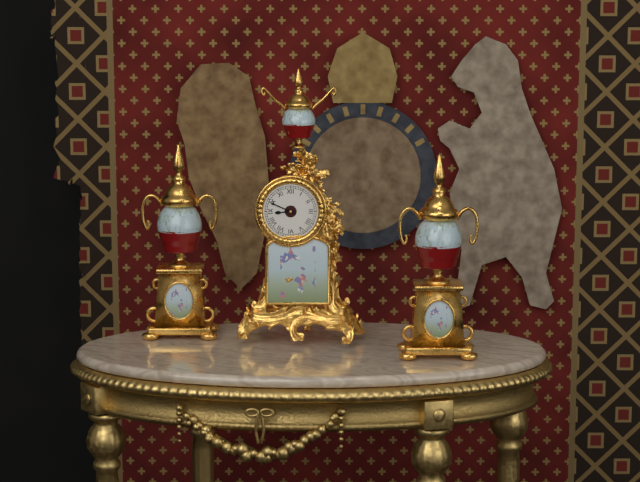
8:49
